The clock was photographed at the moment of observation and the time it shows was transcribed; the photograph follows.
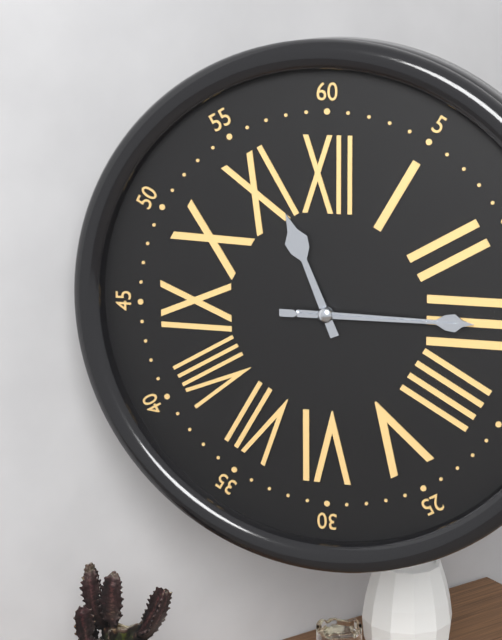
11:15:15
